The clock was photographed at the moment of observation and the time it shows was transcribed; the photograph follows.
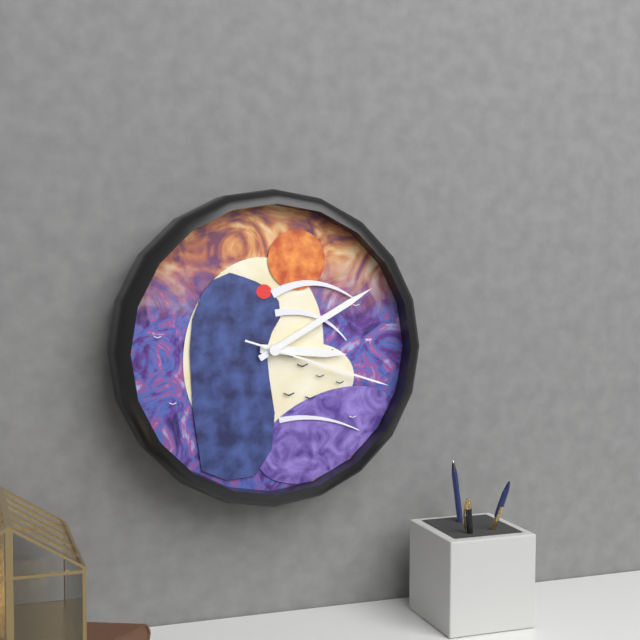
3:10:18
